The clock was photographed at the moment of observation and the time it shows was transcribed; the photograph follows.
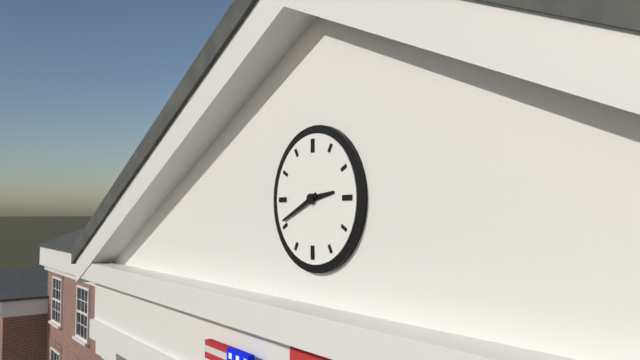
2:41
